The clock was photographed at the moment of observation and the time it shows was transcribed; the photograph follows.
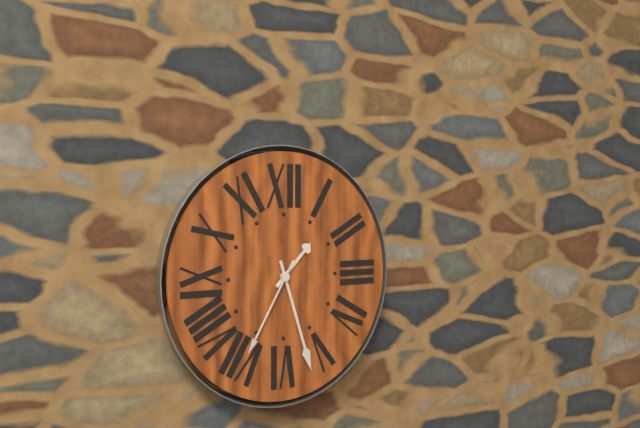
1:27:35
